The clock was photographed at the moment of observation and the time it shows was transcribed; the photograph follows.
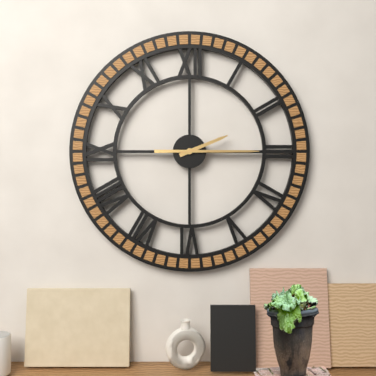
2:15
